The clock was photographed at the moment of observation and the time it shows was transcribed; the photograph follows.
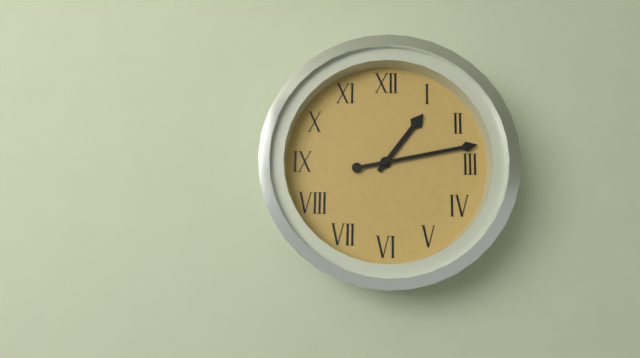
1:13
